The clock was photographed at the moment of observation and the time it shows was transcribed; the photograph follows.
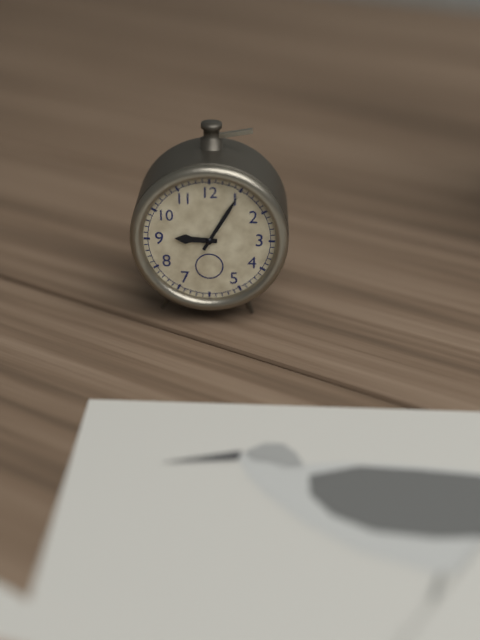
9:05
